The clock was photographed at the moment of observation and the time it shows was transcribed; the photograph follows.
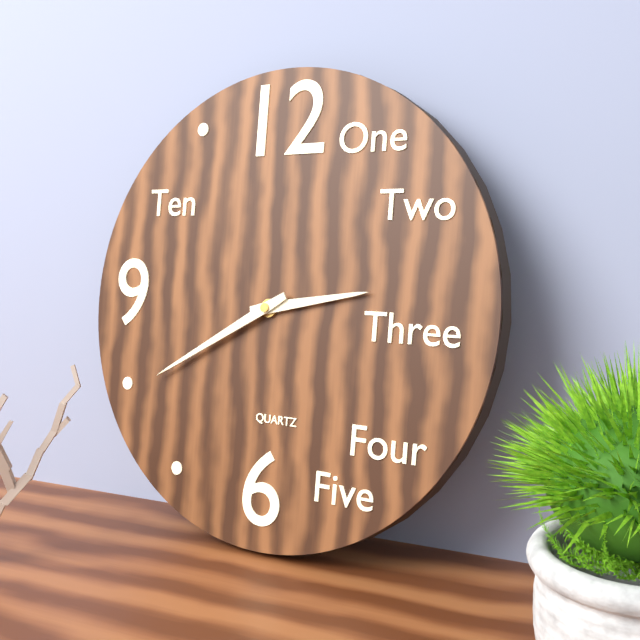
2:40
